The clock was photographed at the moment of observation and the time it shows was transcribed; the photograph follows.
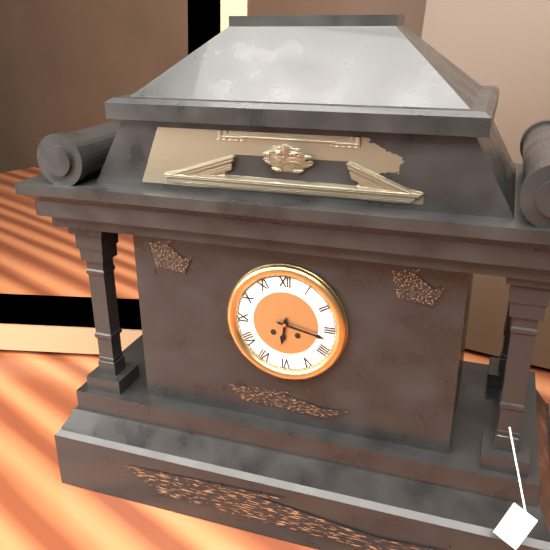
6:17
